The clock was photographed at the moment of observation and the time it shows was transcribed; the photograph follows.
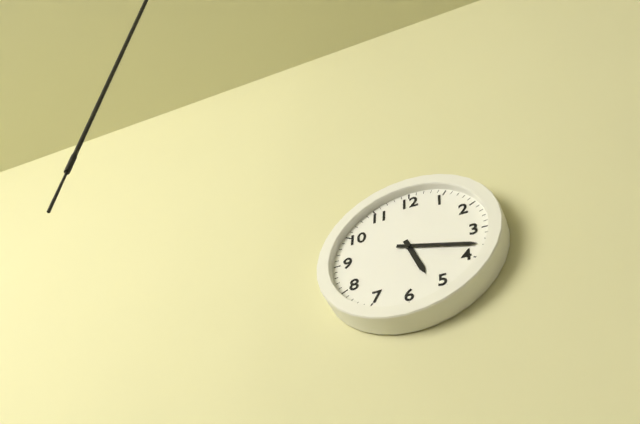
5:18
